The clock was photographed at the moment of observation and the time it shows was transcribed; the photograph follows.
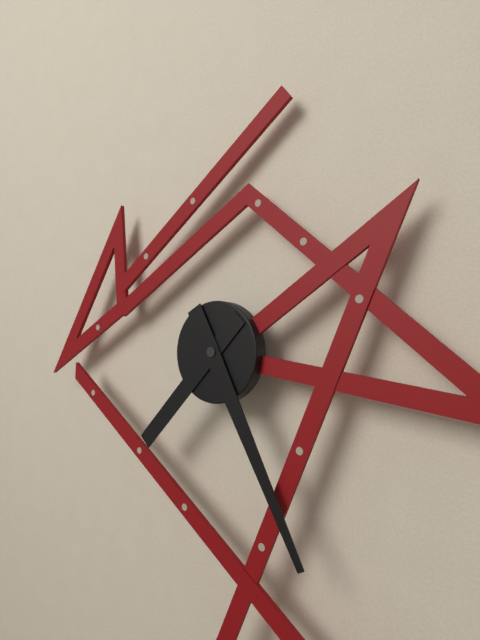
7:25
